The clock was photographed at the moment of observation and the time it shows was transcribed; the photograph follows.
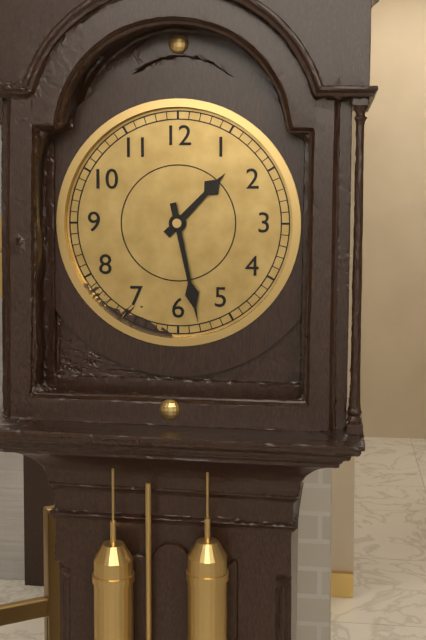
1:28
